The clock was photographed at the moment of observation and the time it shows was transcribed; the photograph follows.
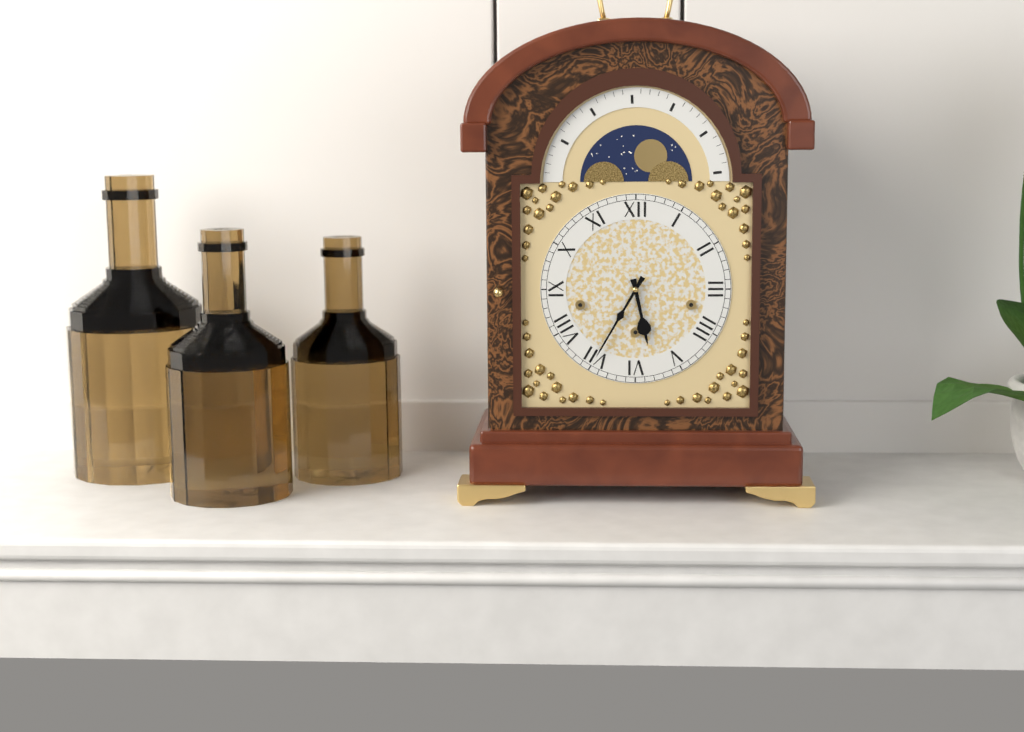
5:35
